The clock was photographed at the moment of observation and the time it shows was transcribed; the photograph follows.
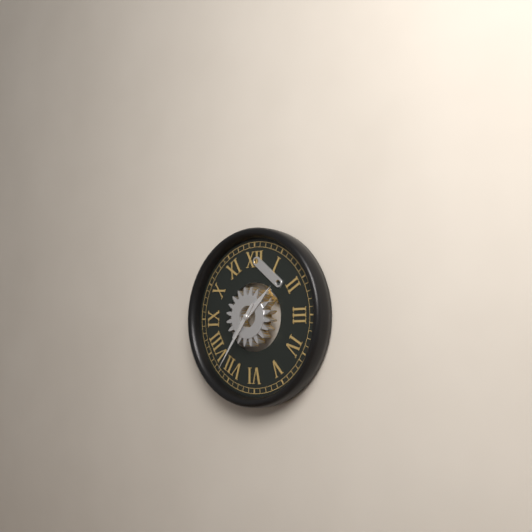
1:36
